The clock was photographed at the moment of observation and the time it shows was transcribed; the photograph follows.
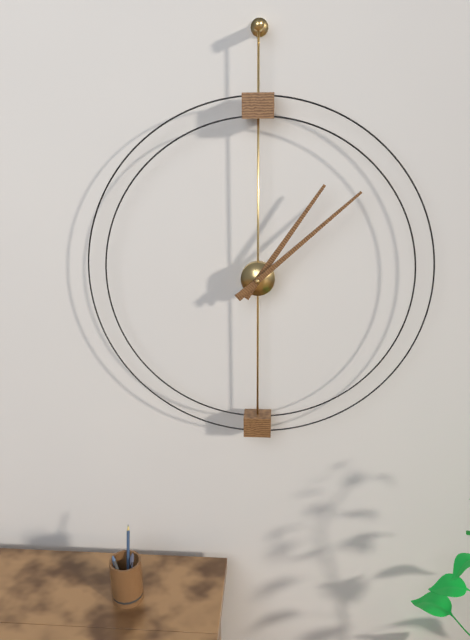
1:08
